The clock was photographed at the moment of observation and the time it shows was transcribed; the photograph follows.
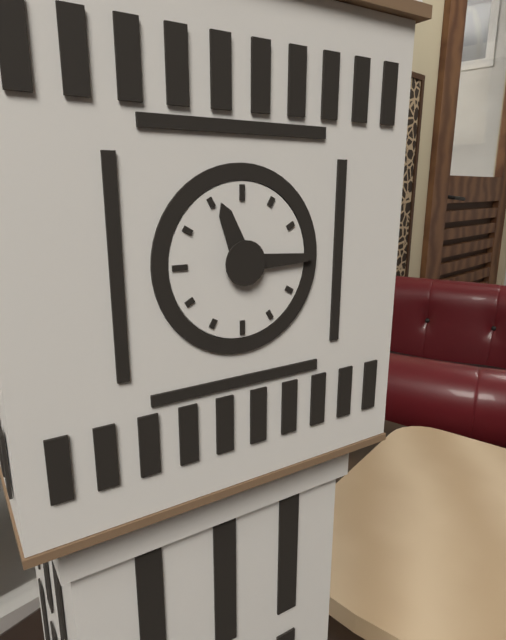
11:15
